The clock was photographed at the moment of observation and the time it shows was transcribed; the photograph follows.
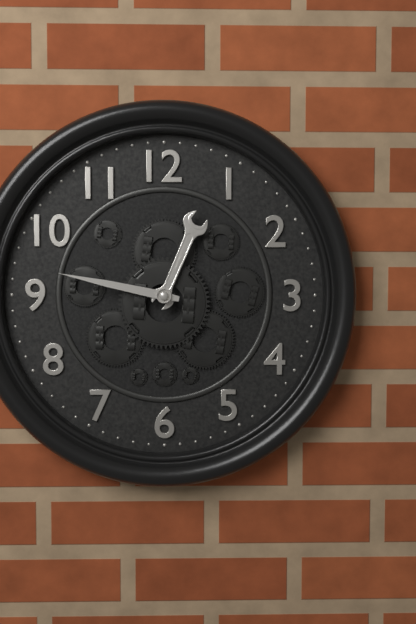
12:47
